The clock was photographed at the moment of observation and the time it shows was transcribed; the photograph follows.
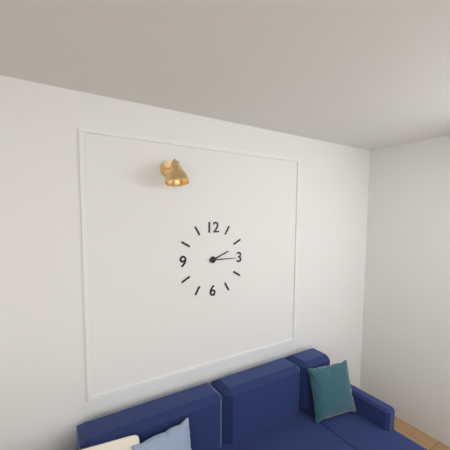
2:15
